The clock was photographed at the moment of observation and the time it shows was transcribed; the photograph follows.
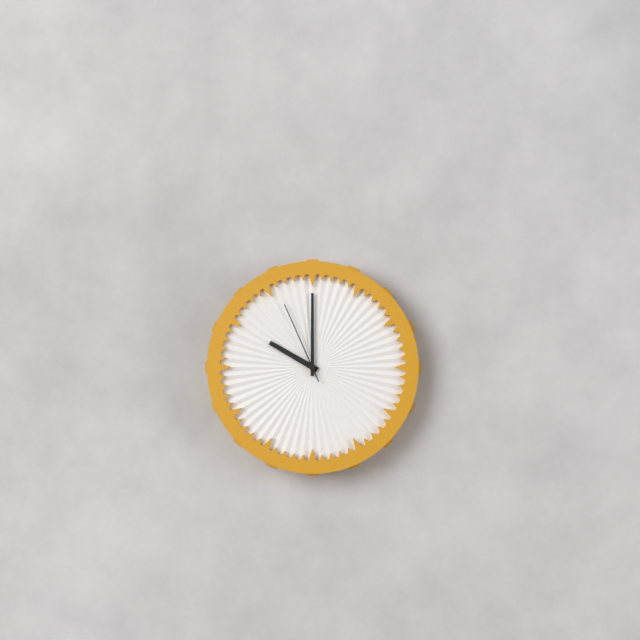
10:00:56
